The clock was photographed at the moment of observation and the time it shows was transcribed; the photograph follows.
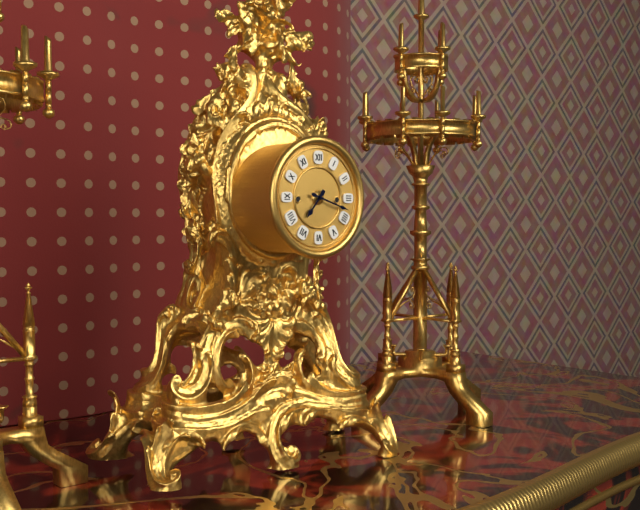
7:18
